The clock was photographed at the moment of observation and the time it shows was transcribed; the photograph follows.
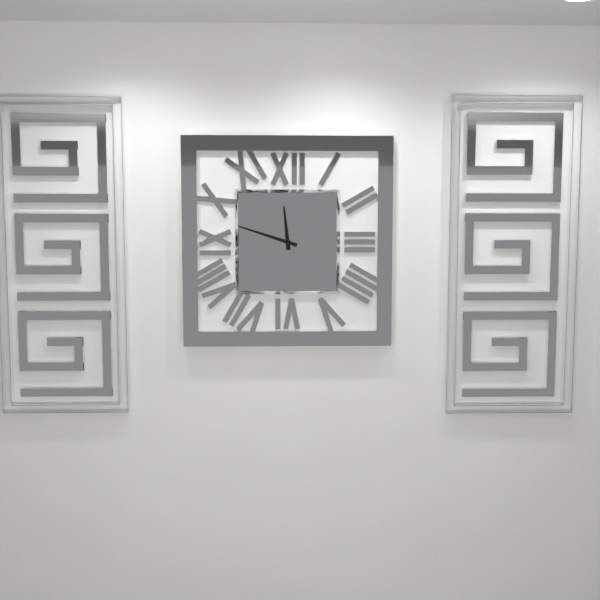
11:48
